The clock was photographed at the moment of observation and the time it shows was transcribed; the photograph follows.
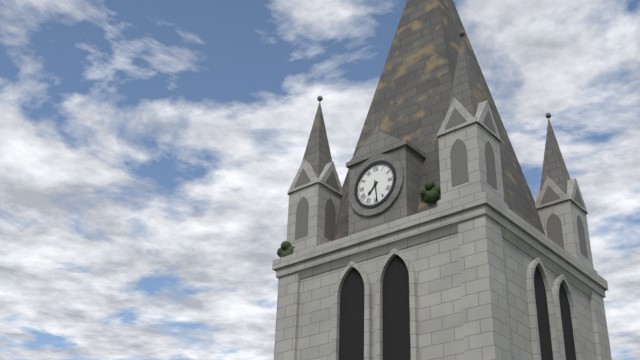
7:29
